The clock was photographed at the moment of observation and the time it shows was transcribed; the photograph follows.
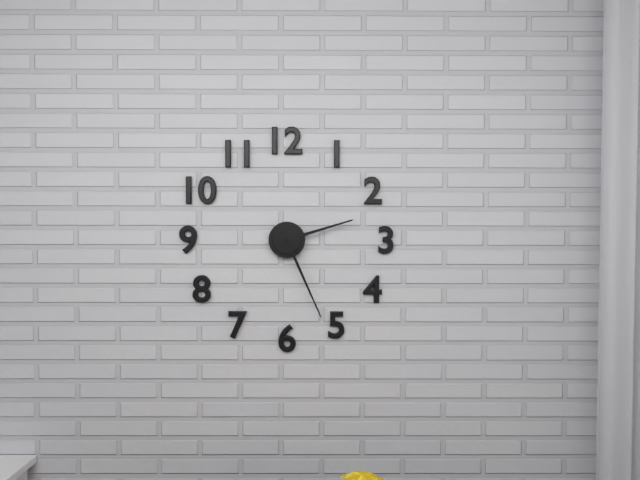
2:26
